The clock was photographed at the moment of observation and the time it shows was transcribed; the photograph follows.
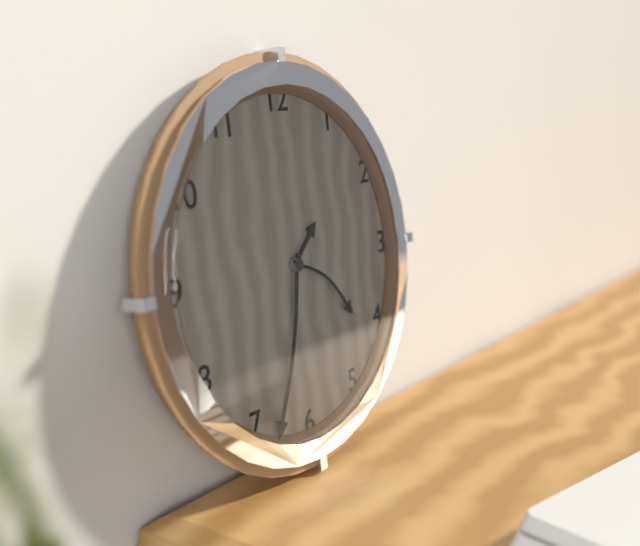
1:33:21
